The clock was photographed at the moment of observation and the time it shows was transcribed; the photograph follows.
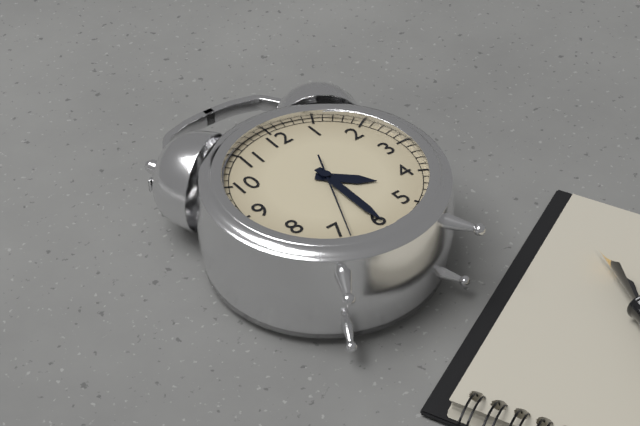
4:30:34
